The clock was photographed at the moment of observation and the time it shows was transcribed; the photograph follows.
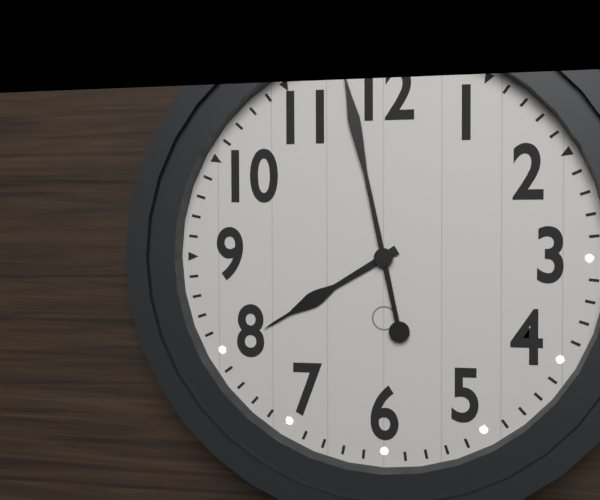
7:58
